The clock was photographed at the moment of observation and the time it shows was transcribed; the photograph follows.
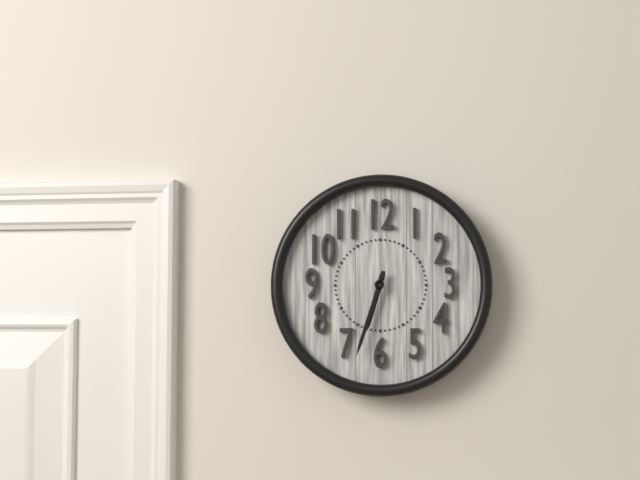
6:33
